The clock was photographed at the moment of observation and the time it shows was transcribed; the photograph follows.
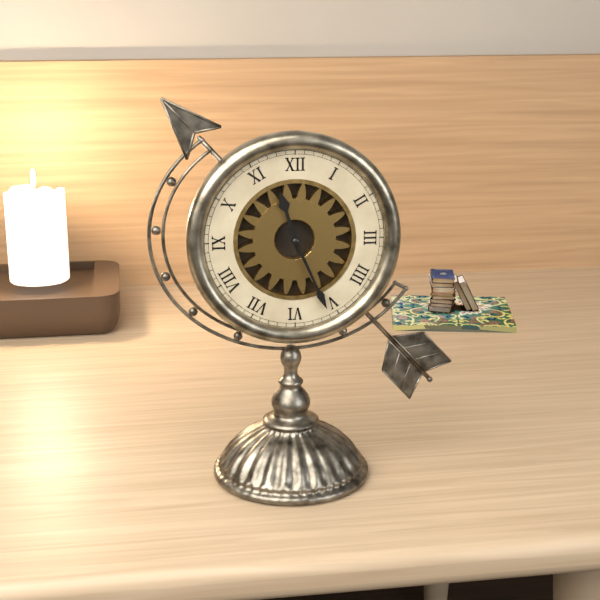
11:26
